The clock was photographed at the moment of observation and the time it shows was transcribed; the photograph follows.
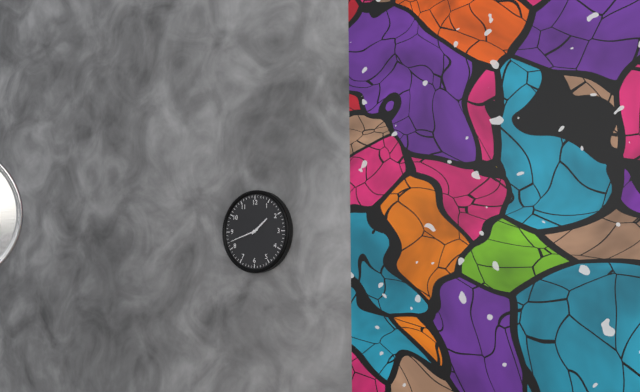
1:42
